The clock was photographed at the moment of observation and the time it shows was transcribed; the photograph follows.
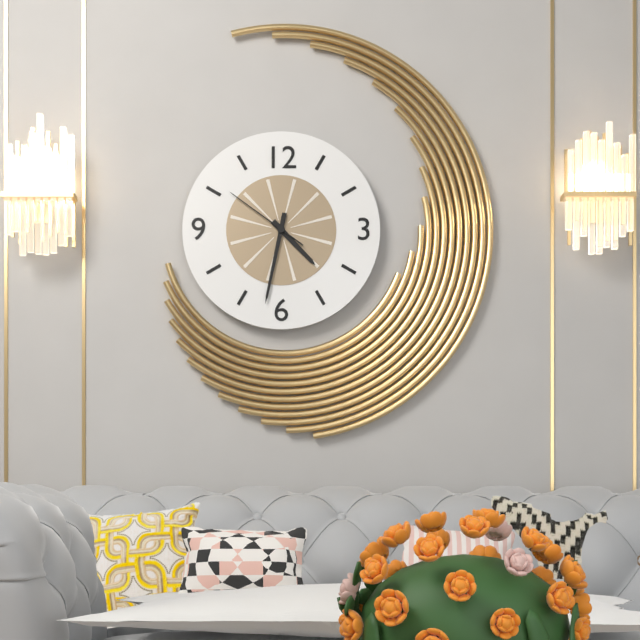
4:32:51
